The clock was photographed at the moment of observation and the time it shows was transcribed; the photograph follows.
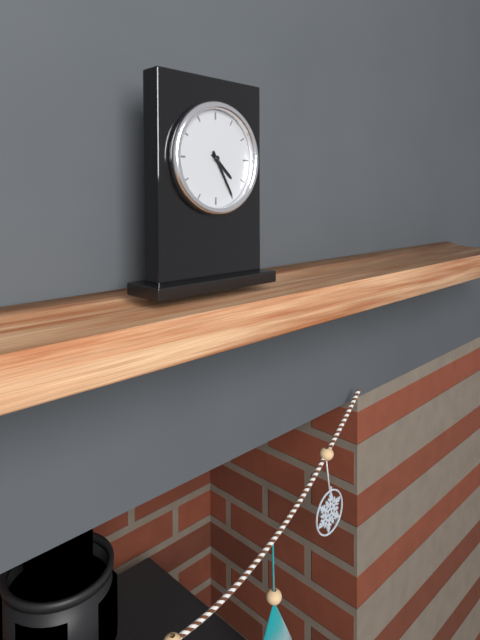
4:25
